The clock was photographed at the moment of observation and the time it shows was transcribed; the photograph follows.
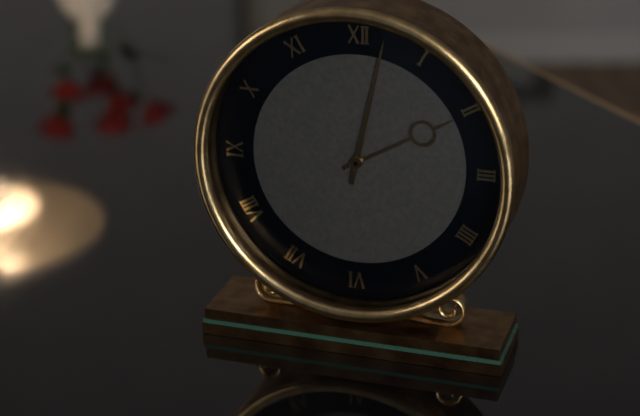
2:02
